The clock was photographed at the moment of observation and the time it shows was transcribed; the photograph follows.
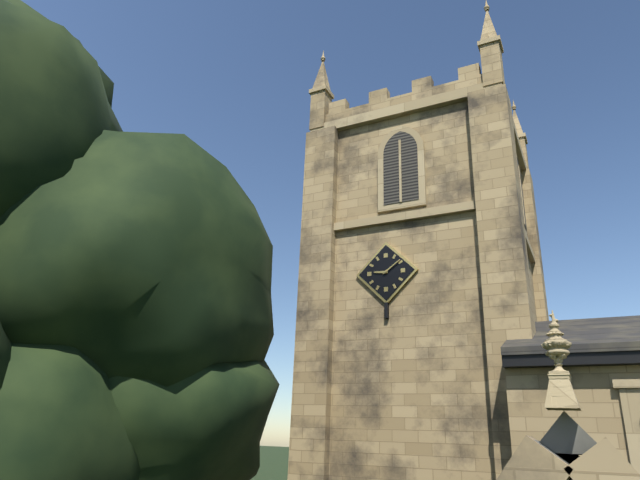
9:09
